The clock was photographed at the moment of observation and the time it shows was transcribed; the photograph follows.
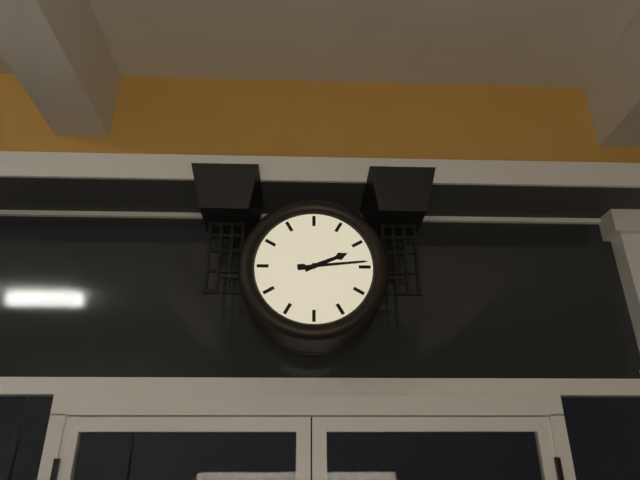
2:14
